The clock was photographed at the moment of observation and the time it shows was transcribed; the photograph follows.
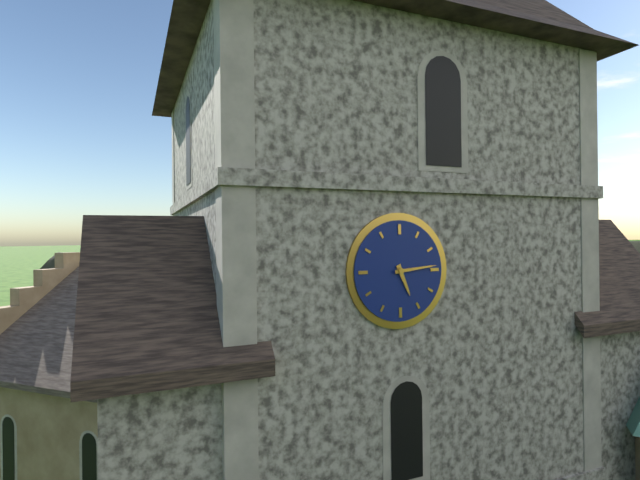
5:14
